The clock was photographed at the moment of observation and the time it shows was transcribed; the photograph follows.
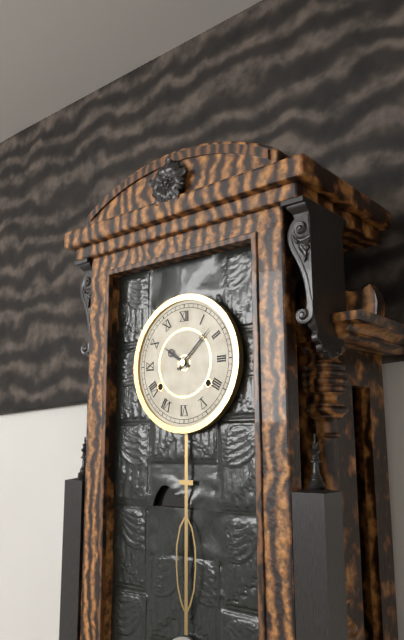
10:08
